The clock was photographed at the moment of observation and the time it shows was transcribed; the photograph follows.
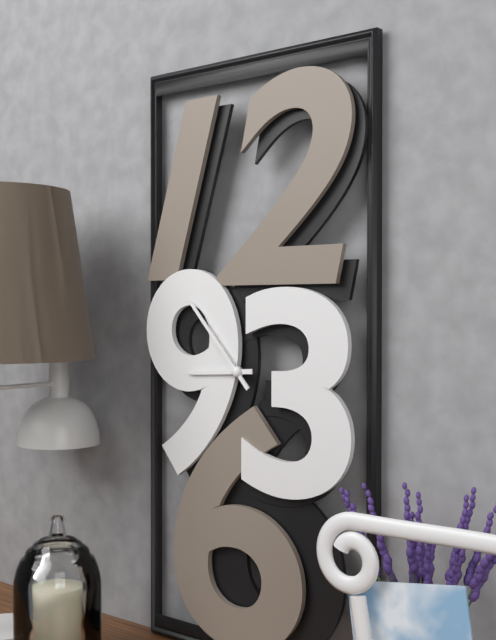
8:53
